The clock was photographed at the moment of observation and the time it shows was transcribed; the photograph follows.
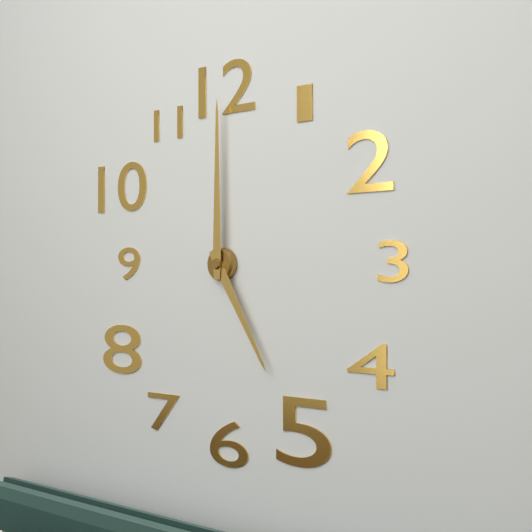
5:00
